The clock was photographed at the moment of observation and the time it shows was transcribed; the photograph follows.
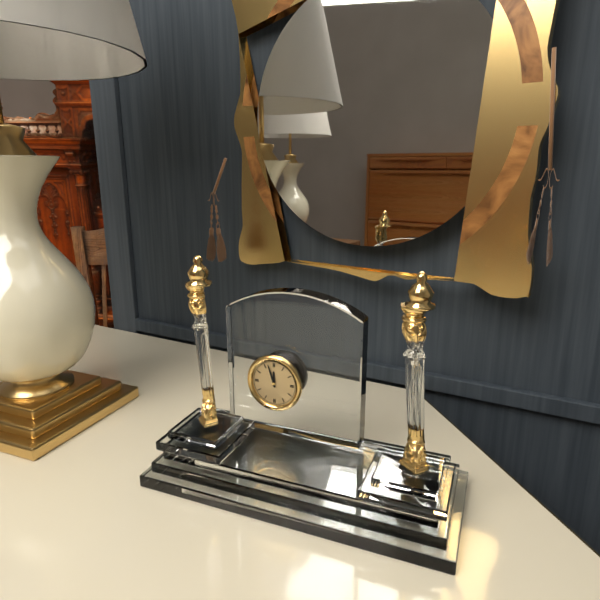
11:57
